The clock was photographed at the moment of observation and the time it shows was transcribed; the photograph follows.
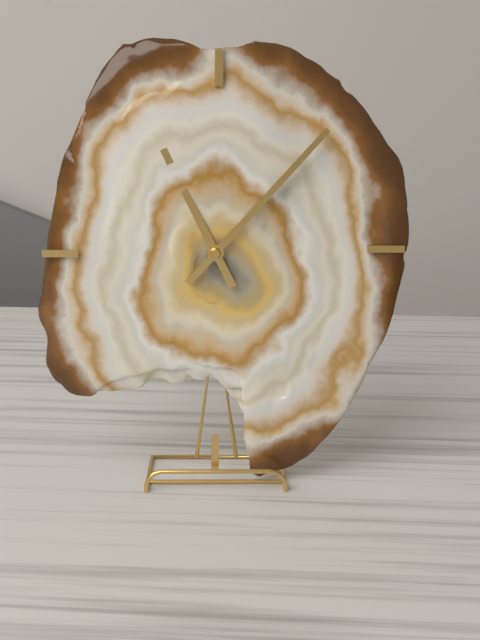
11:07
